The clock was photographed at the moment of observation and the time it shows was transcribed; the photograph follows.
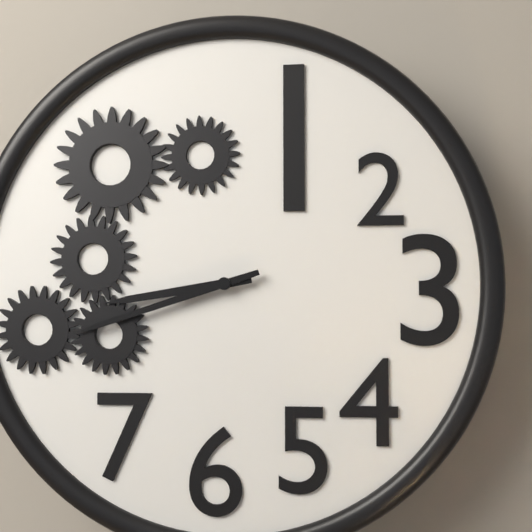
8:42
